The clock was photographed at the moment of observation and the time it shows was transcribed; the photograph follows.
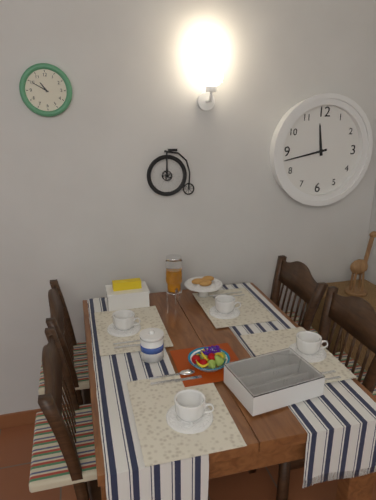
11:43
